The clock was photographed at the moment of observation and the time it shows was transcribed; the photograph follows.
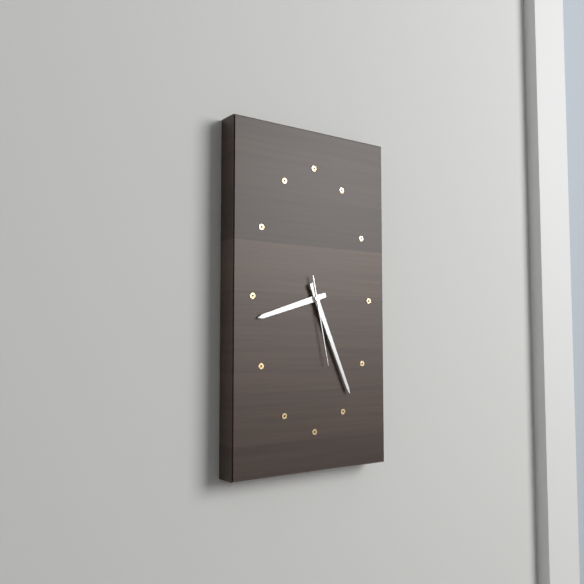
8:26:28
